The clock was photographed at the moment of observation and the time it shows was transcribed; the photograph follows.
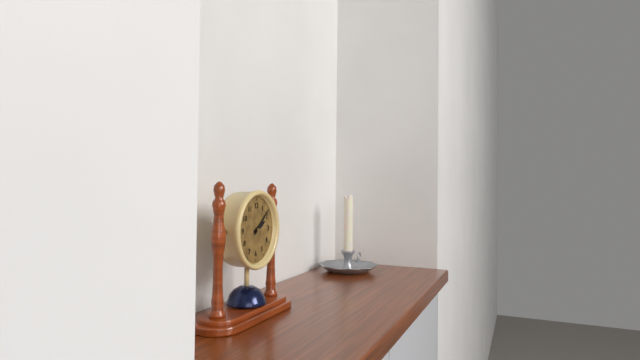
2:08
